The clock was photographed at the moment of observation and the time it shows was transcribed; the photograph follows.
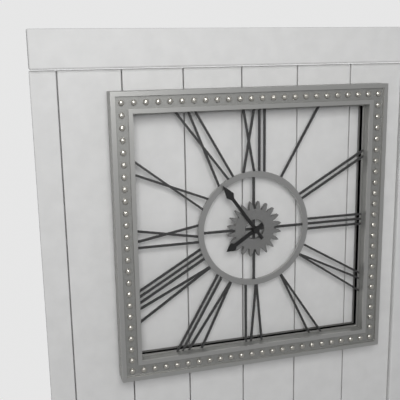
7:54
